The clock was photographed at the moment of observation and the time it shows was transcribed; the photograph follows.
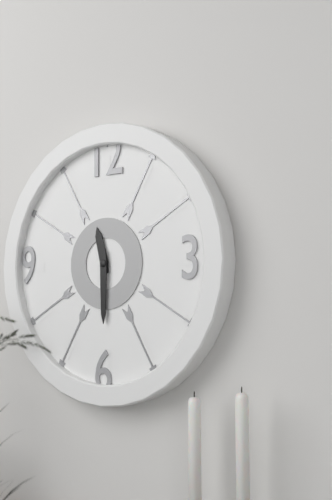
11:30
